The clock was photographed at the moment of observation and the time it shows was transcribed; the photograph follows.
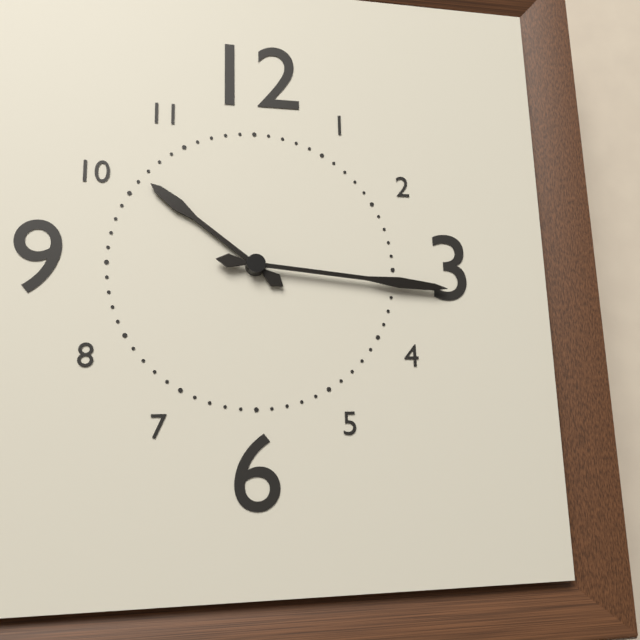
10:16
